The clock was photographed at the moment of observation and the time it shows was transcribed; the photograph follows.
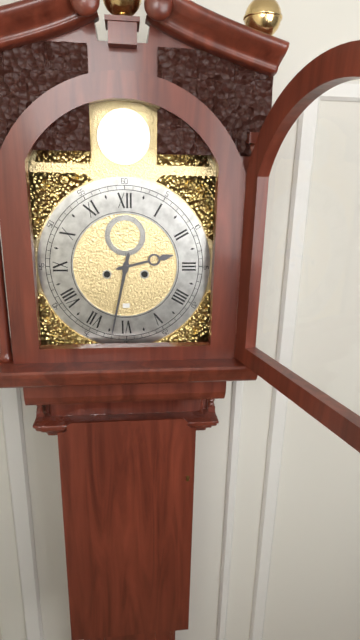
2:32
